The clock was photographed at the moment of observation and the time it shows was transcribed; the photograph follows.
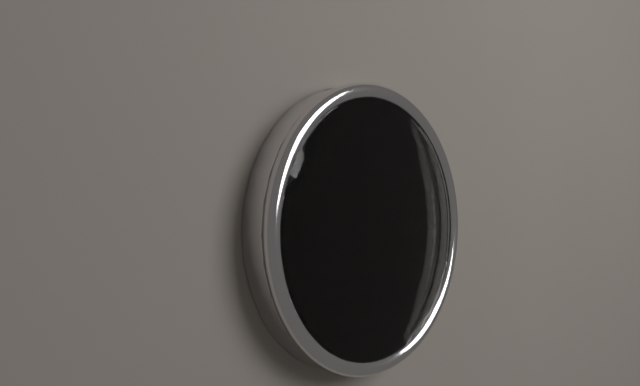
7:40
